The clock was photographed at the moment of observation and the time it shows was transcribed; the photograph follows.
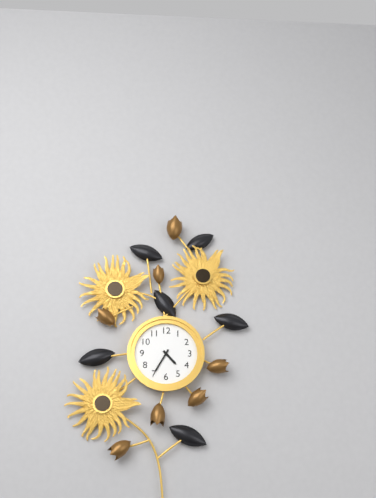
4:35
